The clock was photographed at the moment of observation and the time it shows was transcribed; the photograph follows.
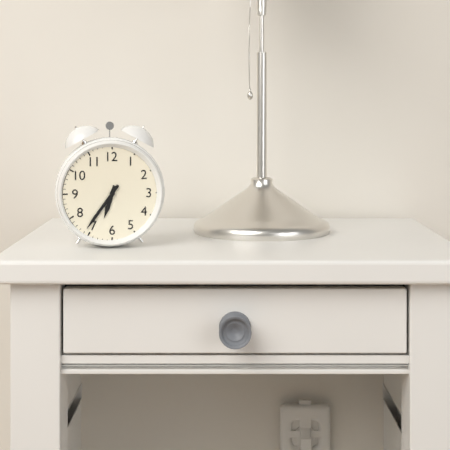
6:36
